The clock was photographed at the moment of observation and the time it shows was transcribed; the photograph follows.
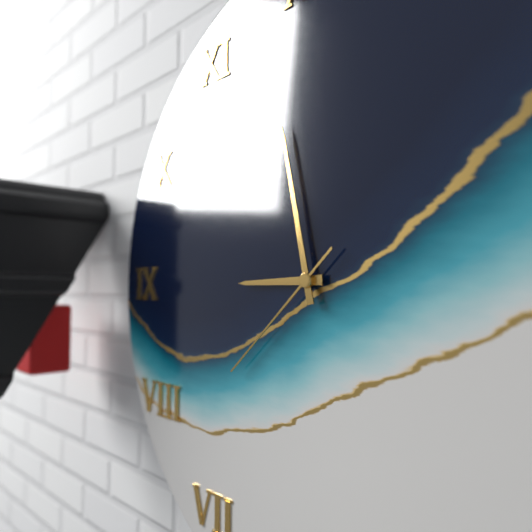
8:58:38
